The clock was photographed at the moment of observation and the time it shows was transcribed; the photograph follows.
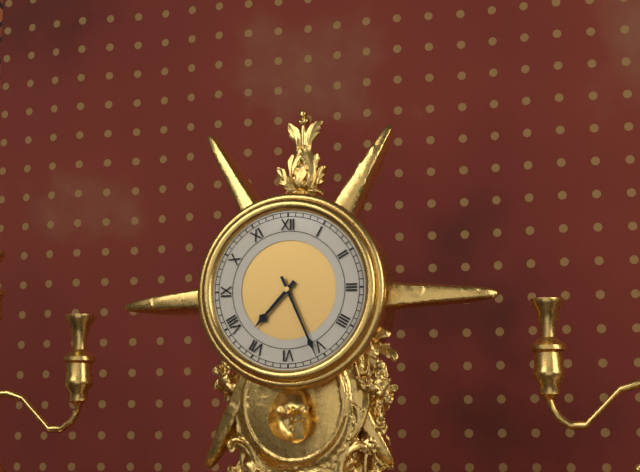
7:26
